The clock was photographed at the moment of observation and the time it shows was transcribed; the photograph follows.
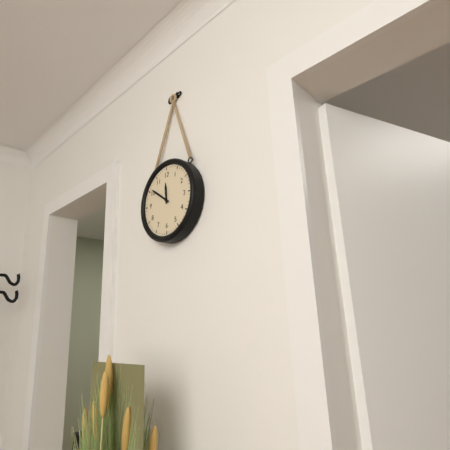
11:51
